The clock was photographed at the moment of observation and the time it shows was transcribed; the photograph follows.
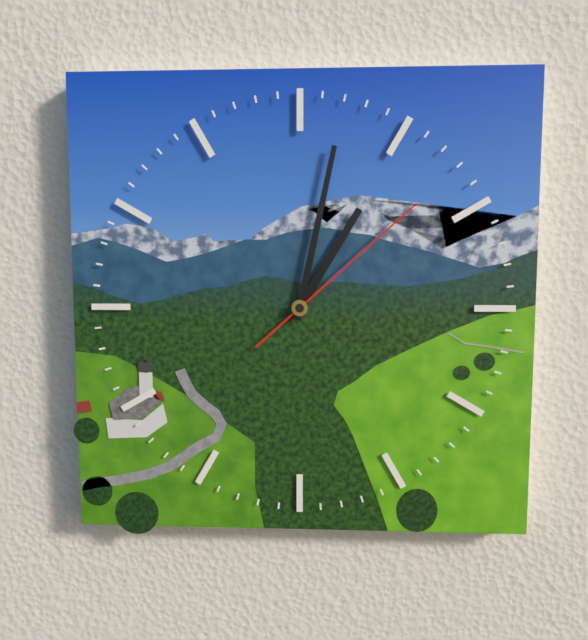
1:02:08
